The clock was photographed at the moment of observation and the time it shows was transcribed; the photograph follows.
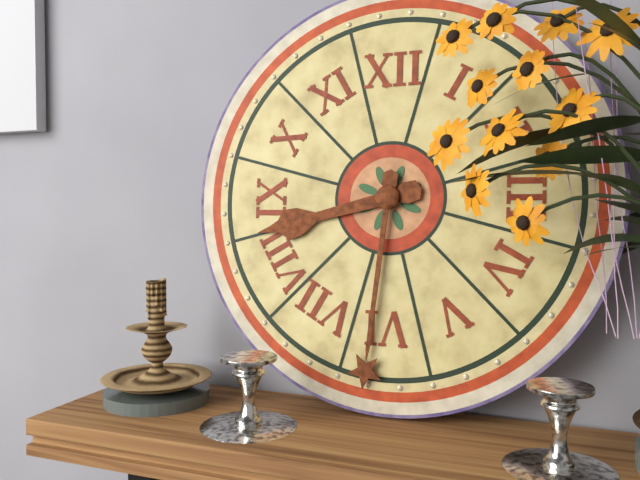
8:31
